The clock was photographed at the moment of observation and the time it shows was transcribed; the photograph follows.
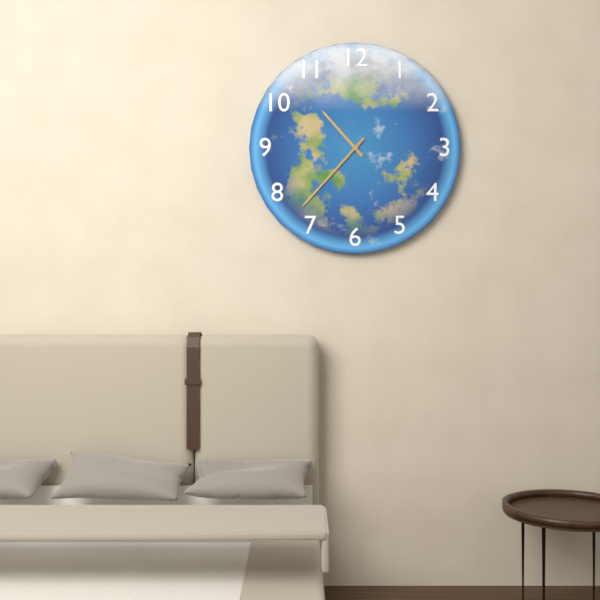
10:37
